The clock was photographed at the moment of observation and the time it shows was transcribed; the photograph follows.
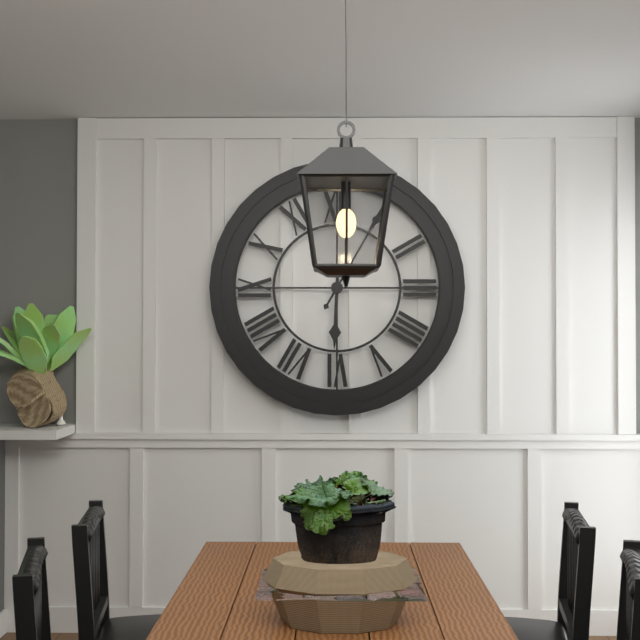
6:05
